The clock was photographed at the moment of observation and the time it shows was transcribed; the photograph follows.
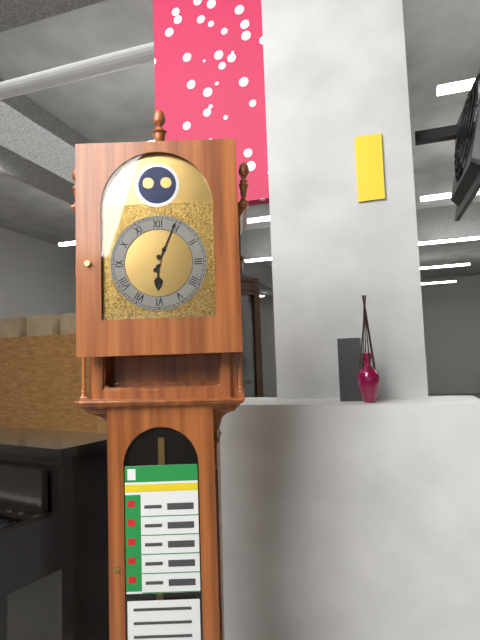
6:04
